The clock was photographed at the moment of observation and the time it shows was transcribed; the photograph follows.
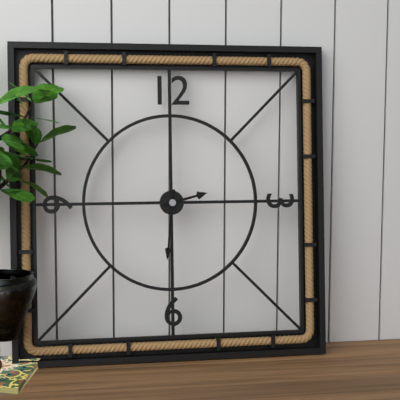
2:31
